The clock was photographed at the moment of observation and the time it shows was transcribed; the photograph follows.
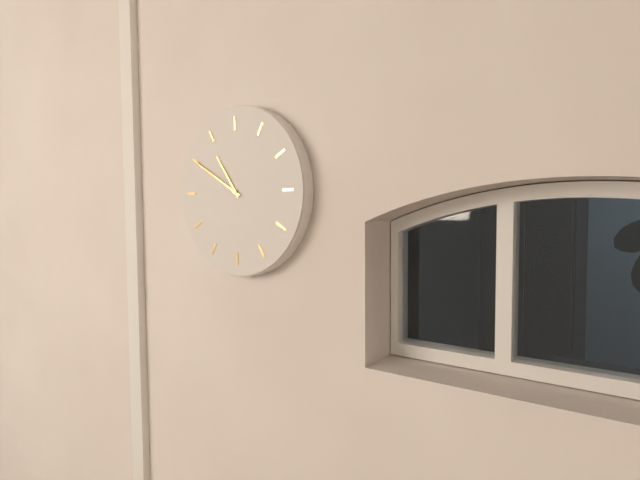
10:50
